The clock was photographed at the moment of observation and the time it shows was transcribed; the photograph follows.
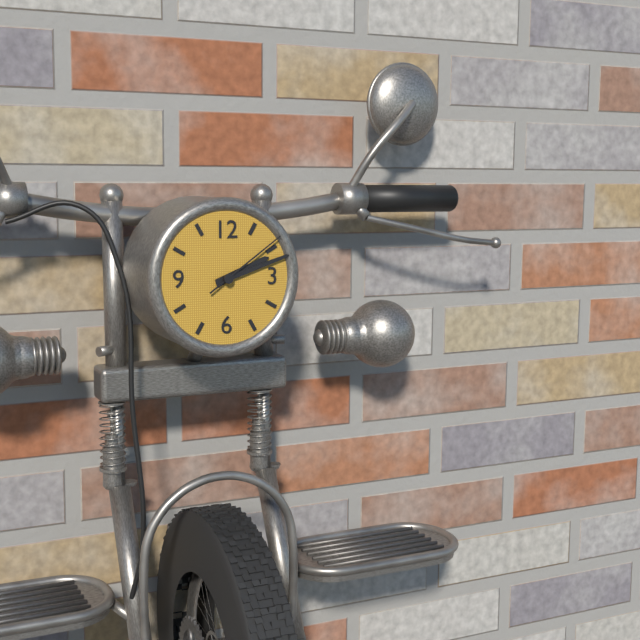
2:12:09
